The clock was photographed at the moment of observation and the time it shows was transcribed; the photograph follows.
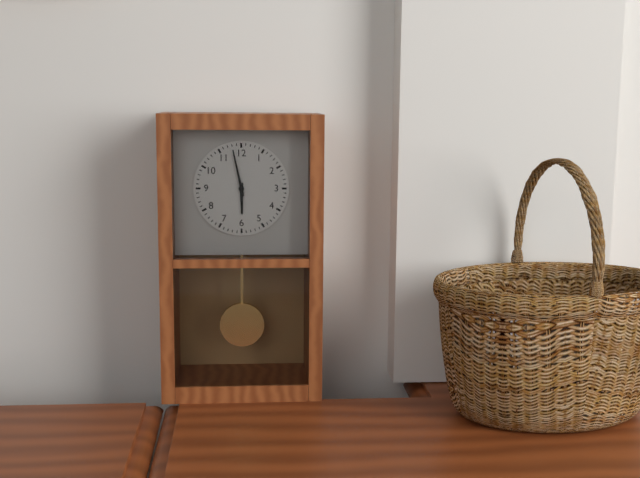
5:58
